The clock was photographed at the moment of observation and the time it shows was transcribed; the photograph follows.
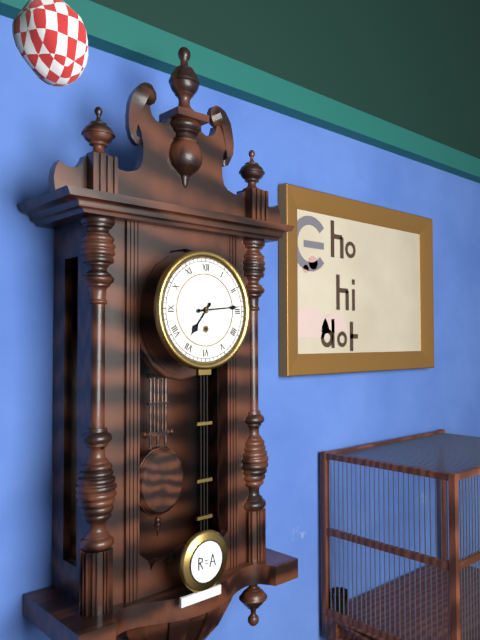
7:14
